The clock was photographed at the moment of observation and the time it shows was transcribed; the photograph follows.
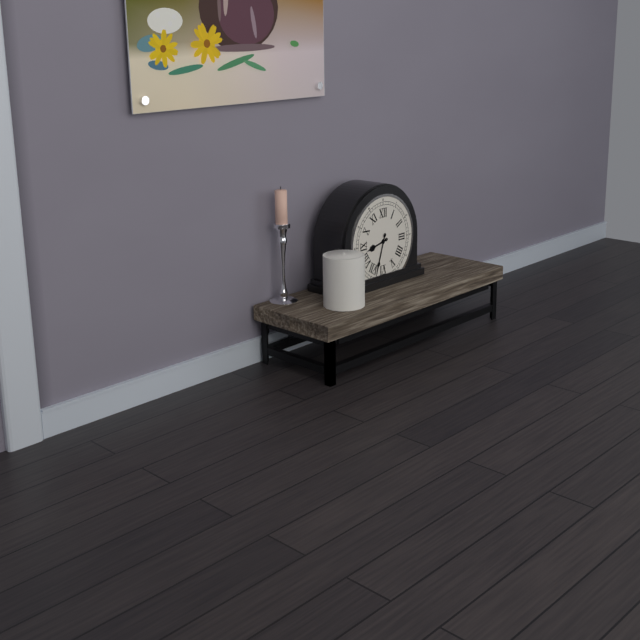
8:33
